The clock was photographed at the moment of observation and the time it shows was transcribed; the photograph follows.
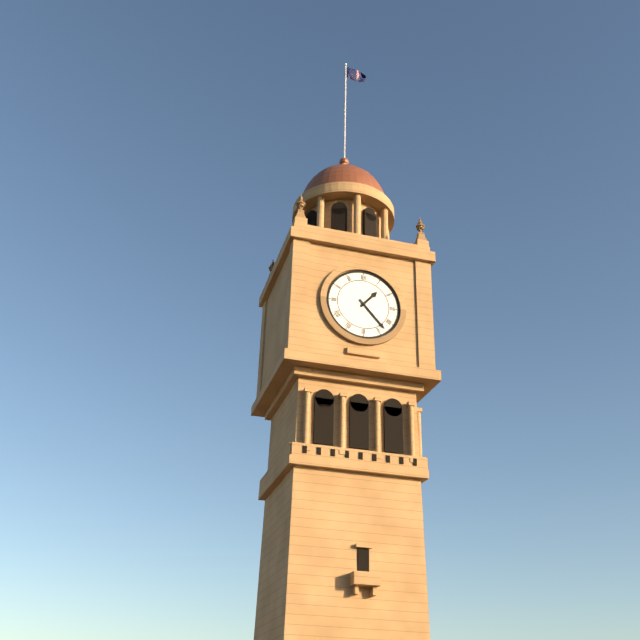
1:23
